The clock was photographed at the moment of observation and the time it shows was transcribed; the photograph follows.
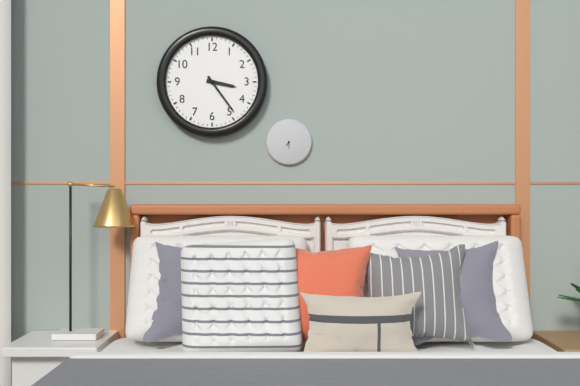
3:24
